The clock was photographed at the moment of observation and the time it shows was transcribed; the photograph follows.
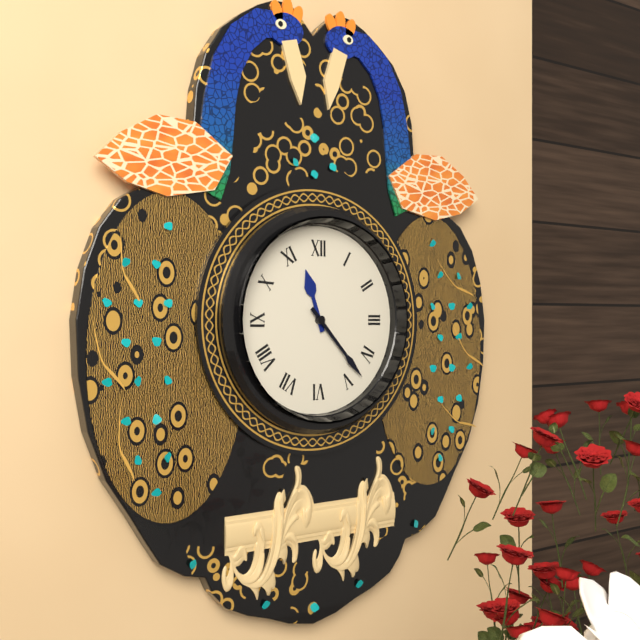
11:23
